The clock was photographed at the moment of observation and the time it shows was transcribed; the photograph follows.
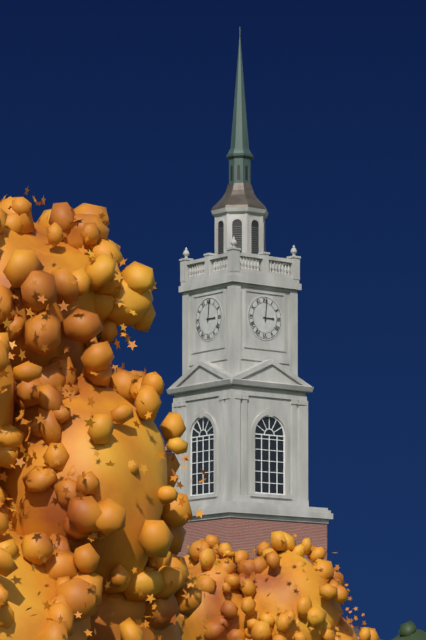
3:01
